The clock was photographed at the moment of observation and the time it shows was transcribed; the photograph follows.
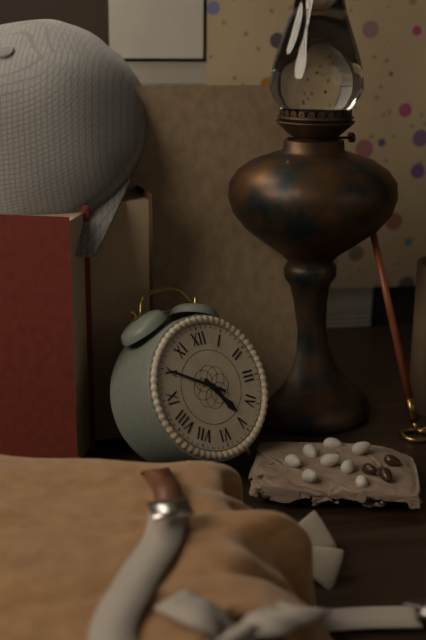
4:50
